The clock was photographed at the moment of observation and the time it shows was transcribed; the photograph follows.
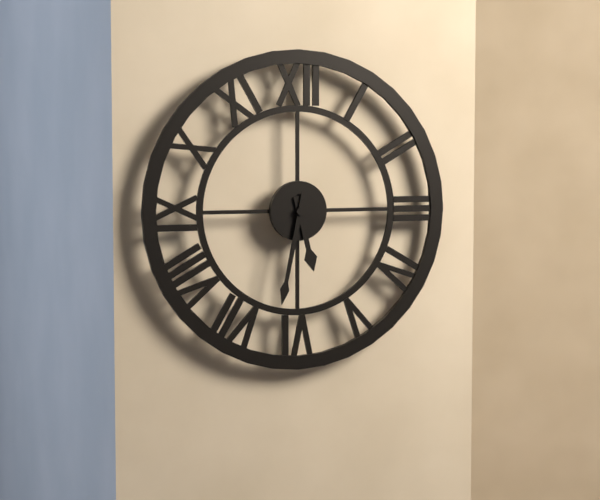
5:32
